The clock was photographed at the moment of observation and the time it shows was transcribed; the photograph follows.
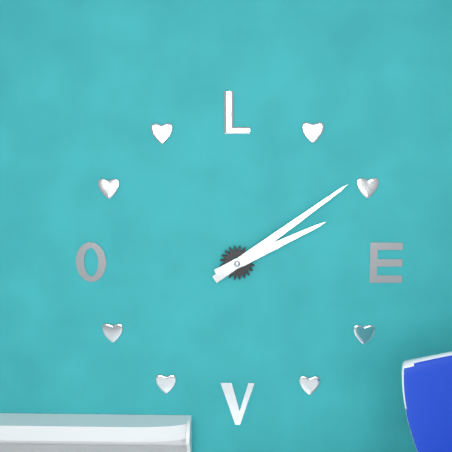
2:09
